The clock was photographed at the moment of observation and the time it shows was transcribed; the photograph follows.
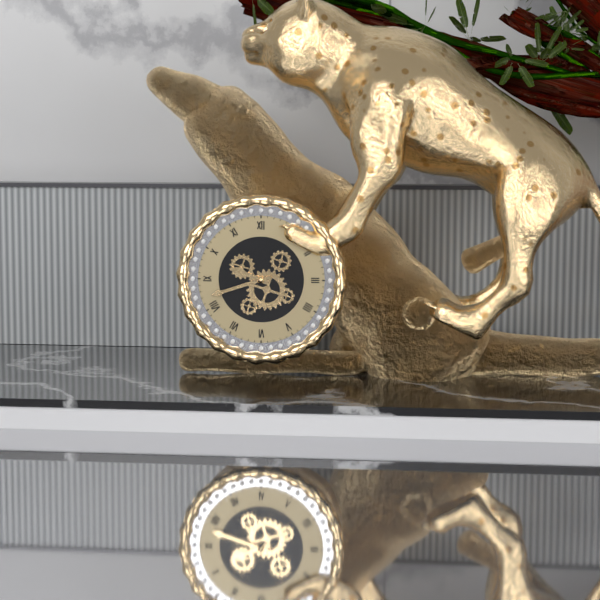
9:42
